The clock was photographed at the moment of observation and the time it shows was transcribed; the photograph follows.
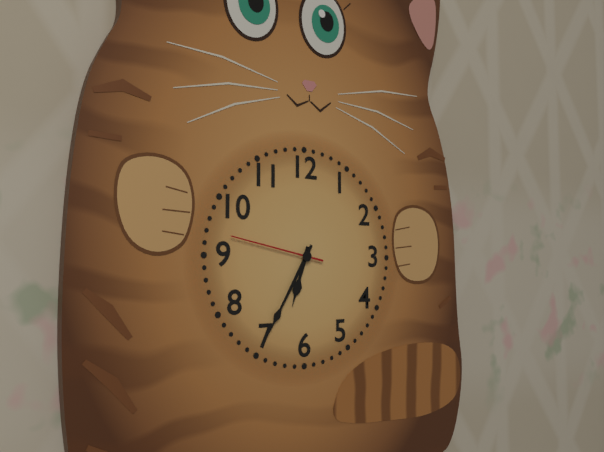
6:35:47
